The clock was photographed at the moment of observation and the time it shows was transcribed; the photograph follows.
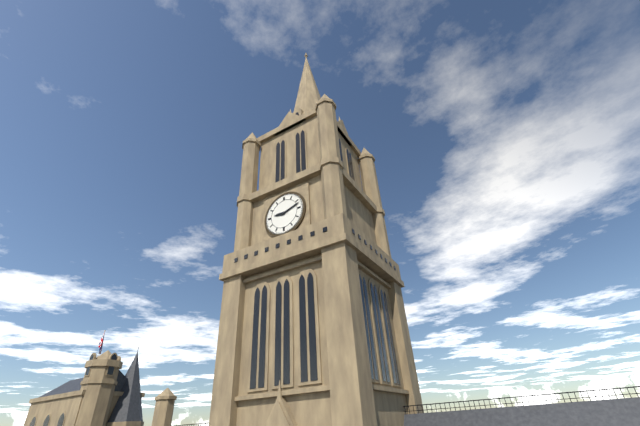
9:12
